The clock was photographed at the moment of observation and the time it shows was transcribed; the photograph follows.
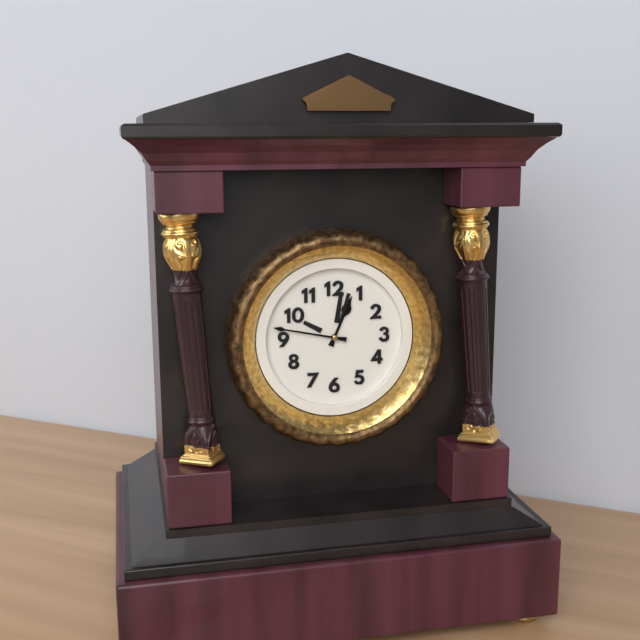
12:47
